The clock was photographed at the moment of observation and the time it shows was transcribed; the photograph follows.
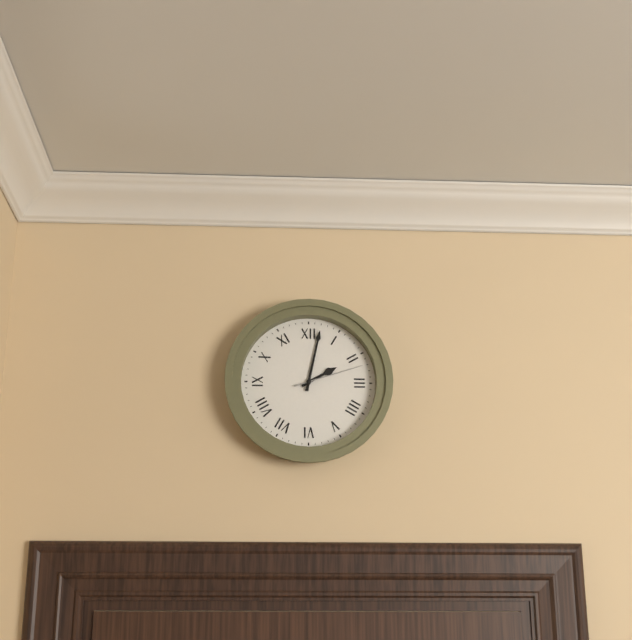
2:02:12
